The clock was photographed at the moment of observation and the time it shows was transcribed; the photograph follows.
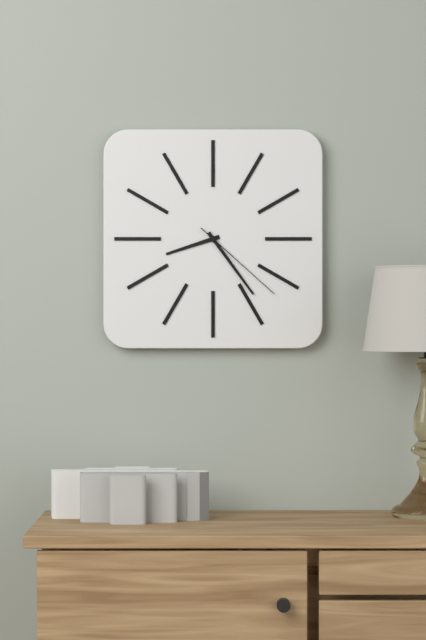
8:24:22
